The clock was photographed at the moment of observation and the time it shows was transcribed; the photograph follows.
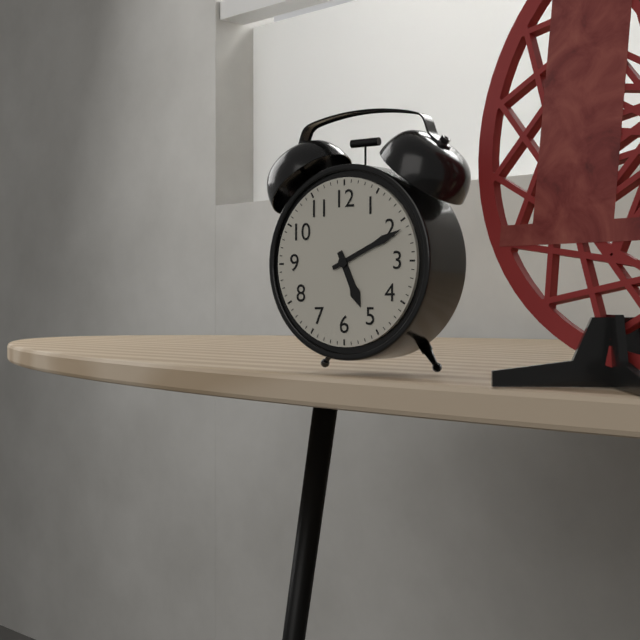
5:11
